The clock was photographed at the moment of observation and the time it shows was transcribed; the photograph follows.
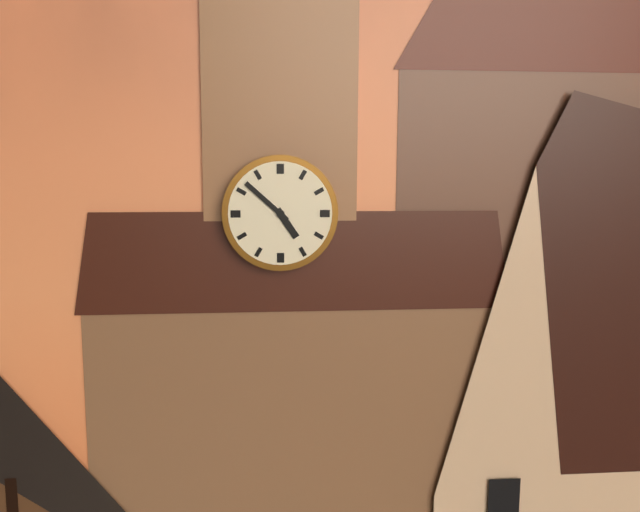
4:52
